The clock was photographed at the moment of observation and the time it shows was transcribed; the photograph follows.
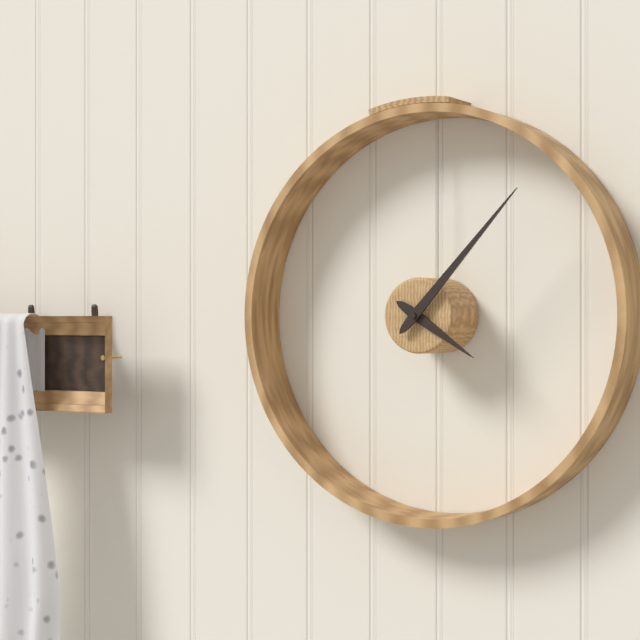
4:07
